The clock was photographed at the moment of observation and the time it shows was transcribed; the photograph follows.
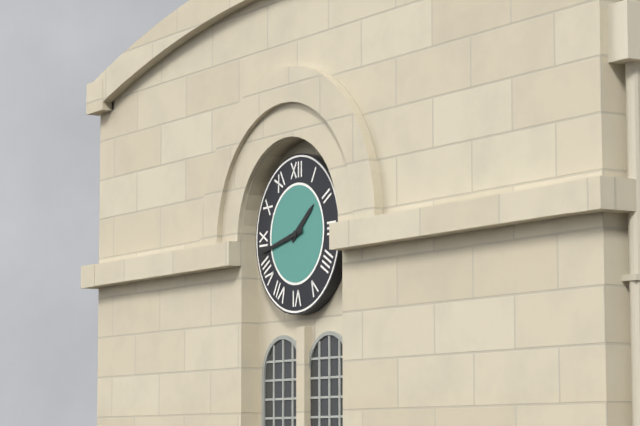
1:43
